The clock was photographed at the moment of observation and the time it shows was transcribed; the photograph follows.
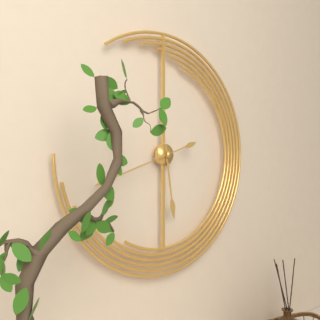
5:42
